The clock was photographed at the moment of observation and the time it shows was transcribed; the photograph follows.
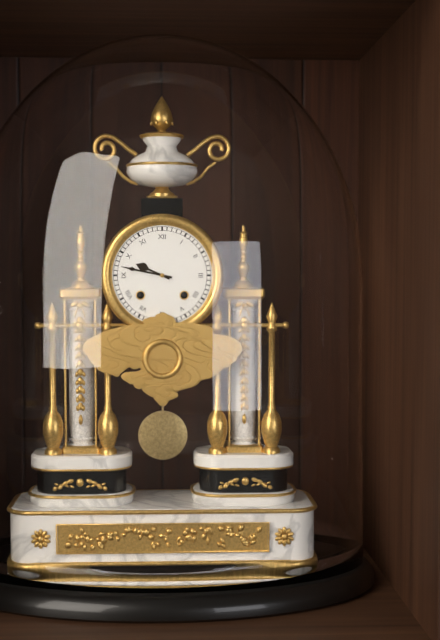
9:47
